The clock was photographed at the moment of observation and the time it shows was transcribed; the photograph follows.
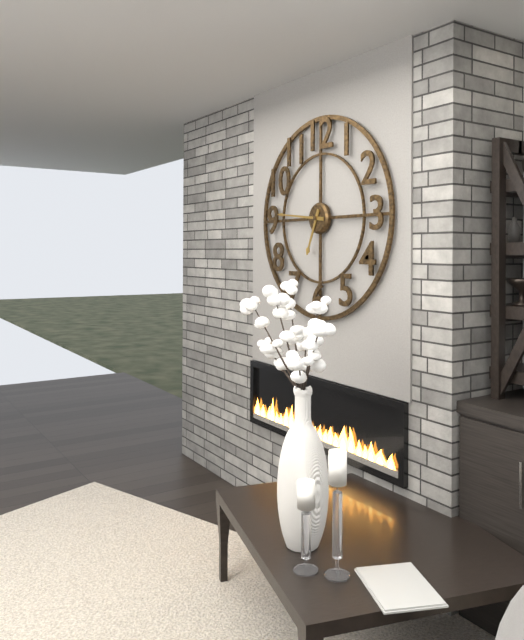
6:46
